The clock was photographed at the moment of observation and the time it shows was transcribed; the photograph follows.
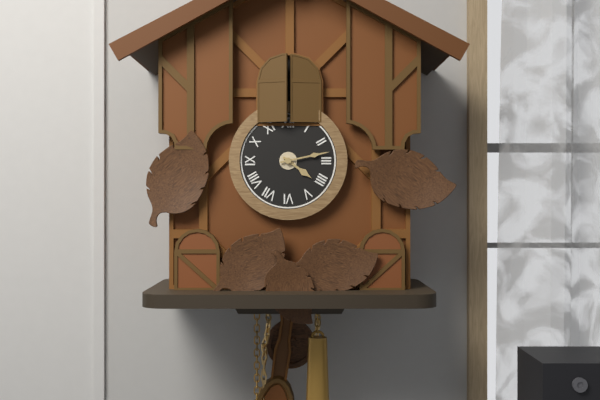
4:13
